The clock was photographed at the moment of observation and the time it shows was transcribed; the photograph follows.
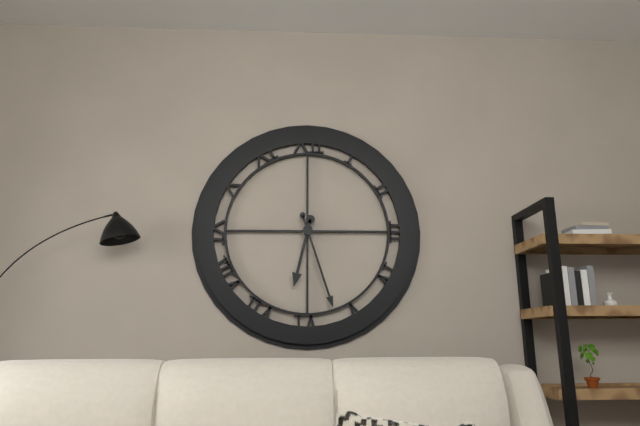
6:27
